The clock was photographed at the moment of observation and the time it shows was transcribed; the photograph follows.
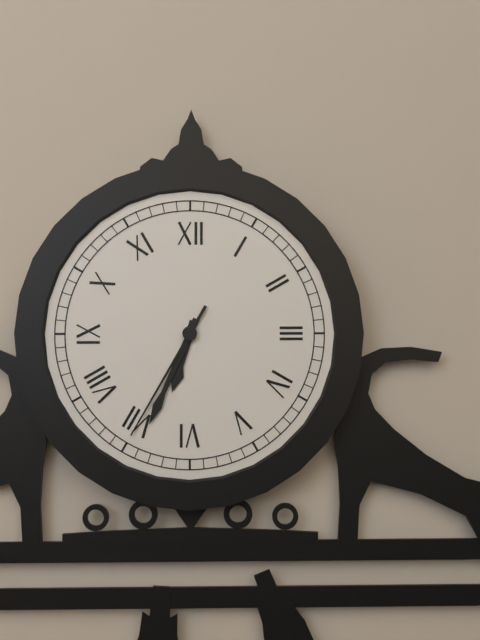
6:34:35
